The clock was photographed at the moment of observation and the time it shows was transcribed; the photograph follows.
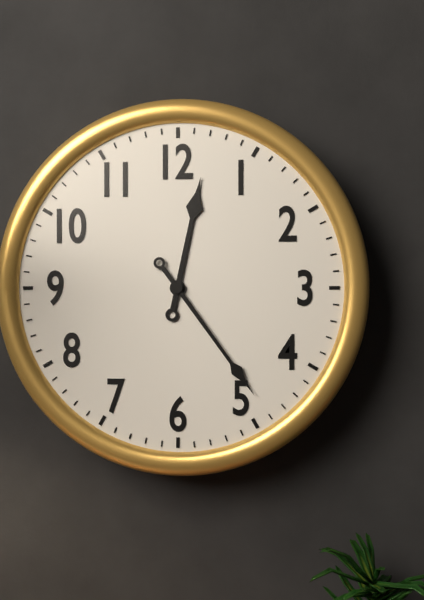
12:24
